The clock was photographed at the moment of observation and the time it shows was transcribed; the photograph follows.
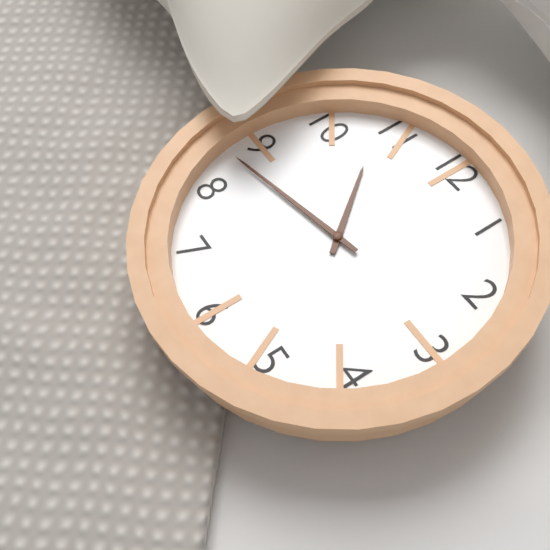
10:43
